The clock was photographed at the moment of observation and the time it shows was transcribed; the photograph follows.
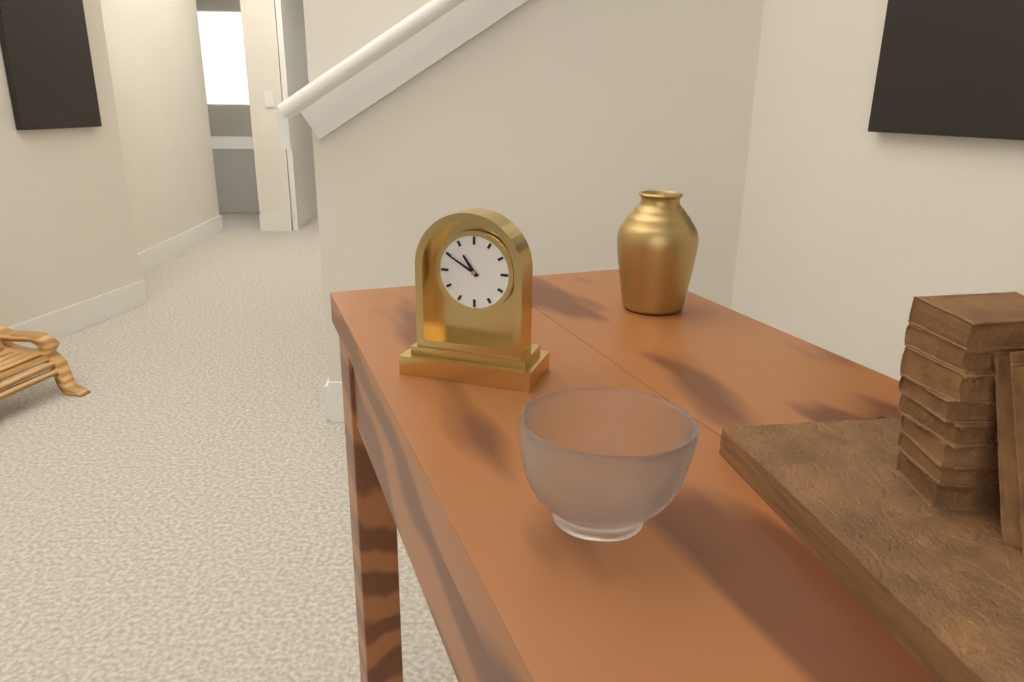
10:50
